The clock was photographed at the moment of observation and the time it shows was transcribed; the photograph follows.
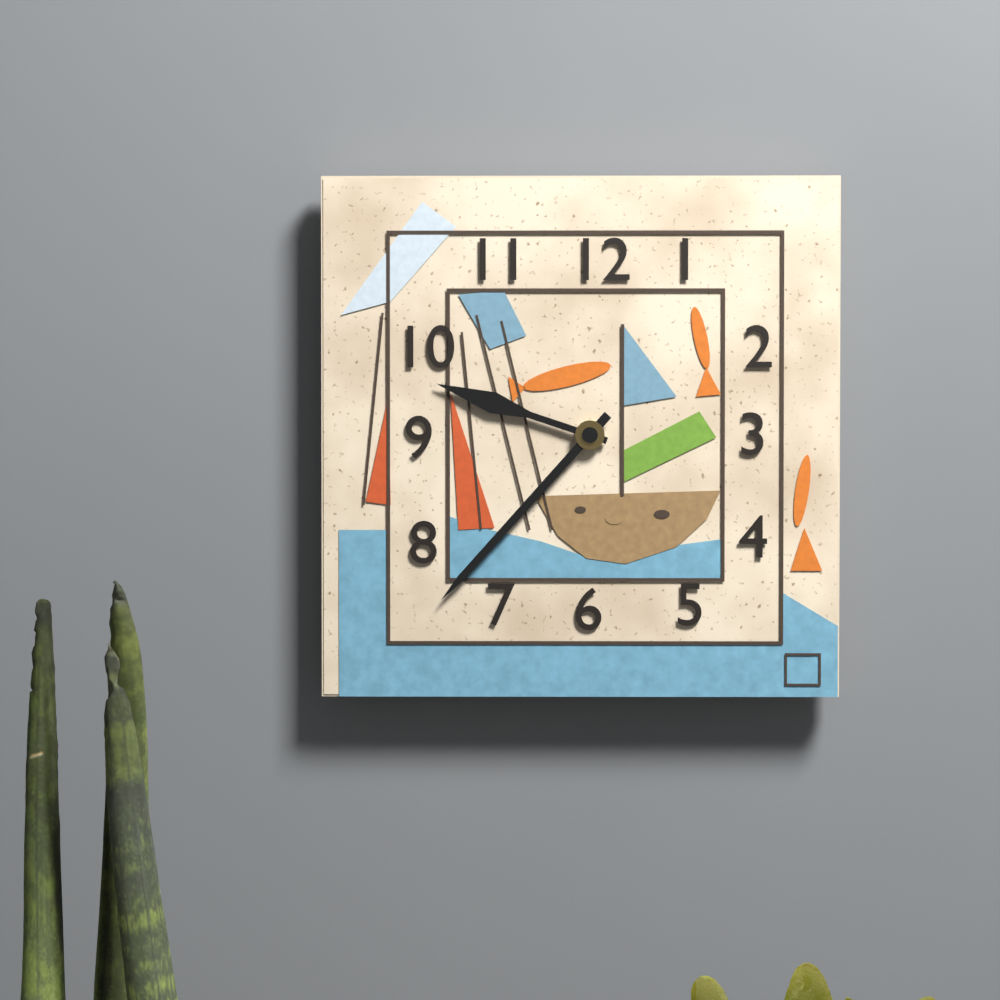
9:37
